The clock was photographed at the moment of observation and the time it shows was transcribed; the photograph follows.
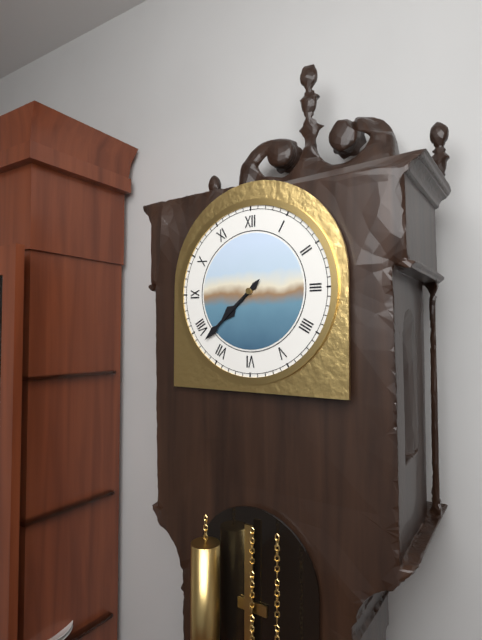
7:38
